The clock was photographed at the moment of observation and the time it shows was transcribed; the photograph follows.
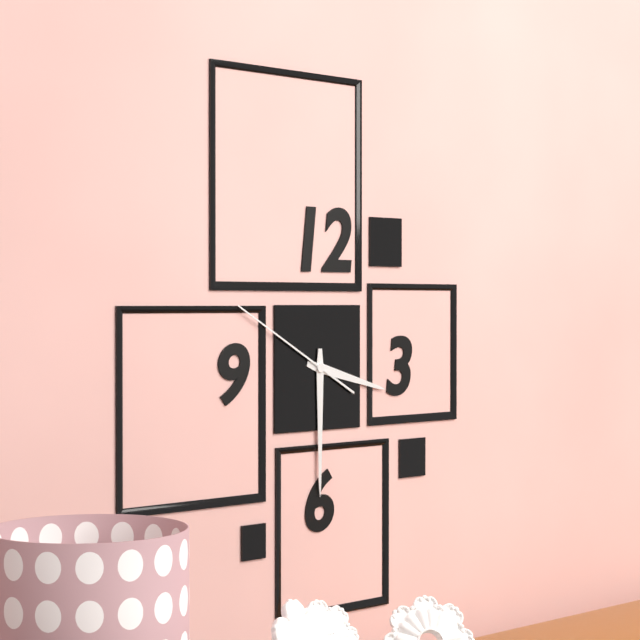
3:30:50
